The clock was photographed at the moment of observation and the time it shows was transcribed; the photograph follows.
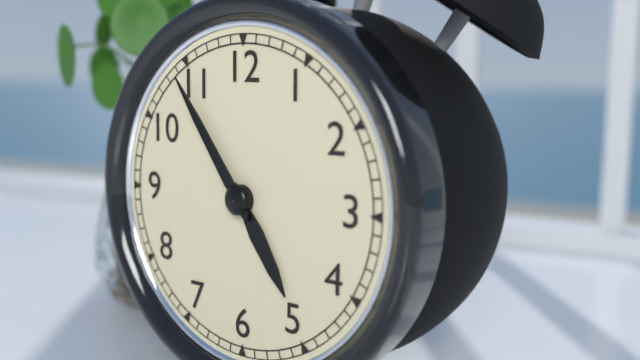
4:54
